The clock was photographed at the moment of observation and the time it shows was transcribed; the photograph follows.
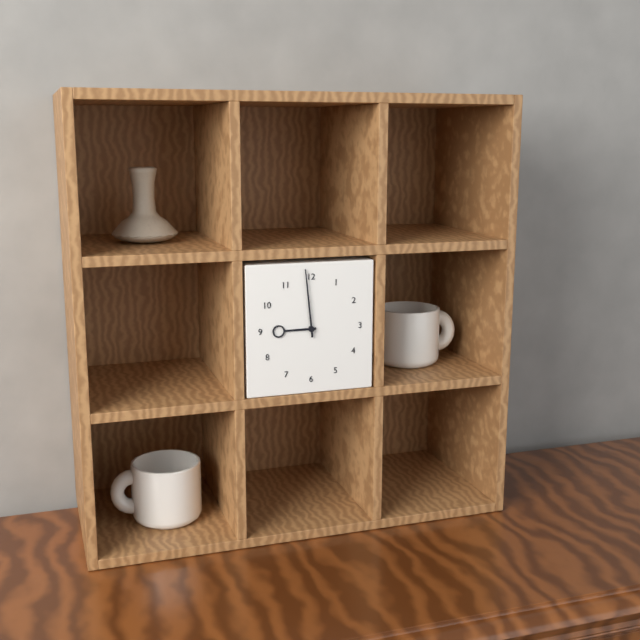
8:59
